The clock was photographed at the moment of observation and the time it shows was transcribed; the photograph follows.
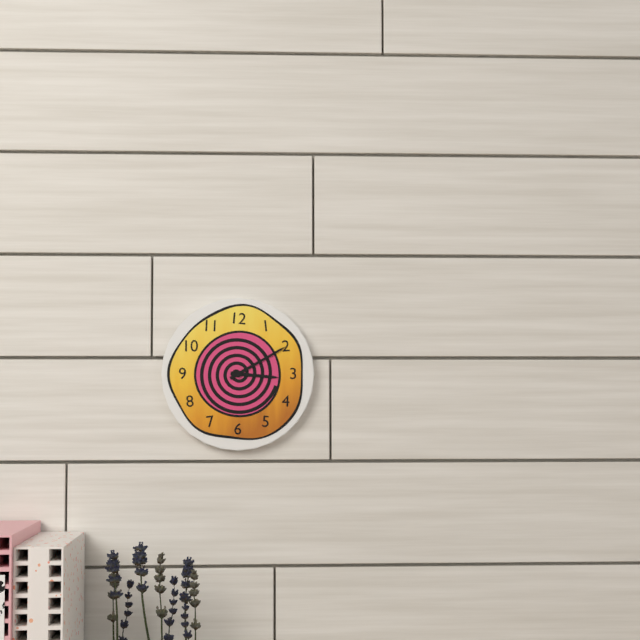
3:10
